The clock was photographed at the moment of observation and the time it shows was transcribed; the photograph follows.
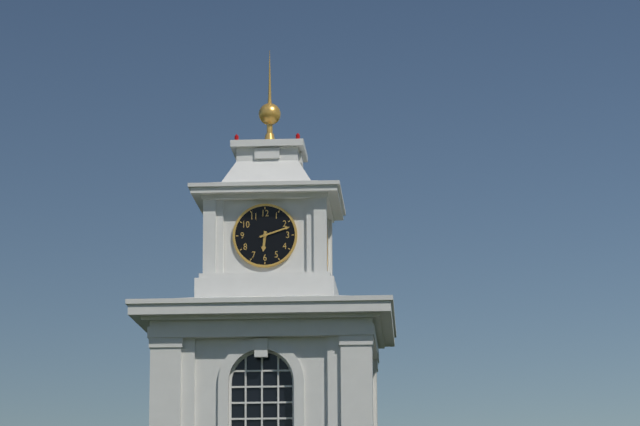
6:12
